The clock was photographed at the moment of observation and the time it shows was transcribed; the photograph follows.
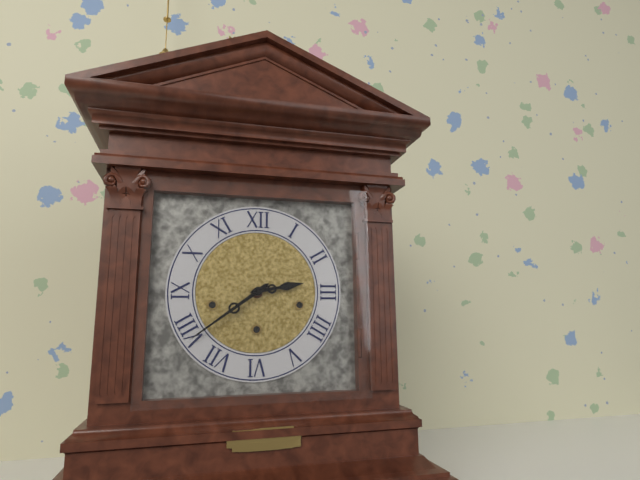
2:39
